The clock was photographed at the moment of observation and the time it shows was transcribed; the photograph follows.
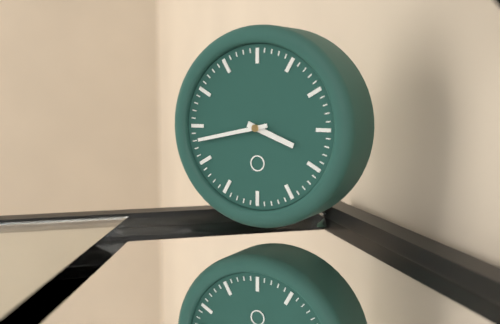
3:43
